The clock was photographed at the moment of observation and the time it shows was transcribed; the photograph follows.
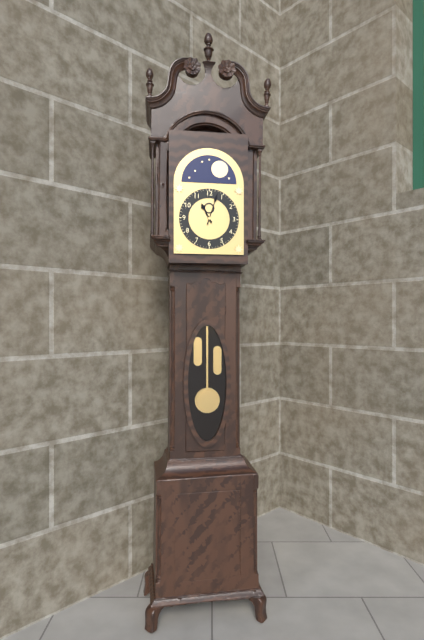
11:03
